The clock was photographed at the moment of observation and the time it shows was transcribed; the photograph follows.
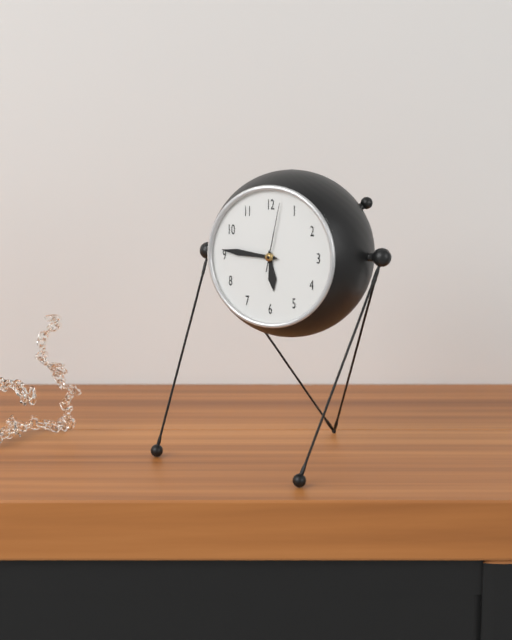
5:46:02
